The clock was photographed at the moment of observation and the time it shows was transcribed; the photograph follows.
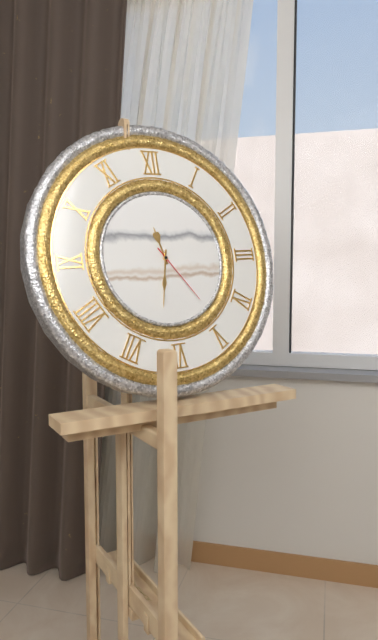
11:32:24
